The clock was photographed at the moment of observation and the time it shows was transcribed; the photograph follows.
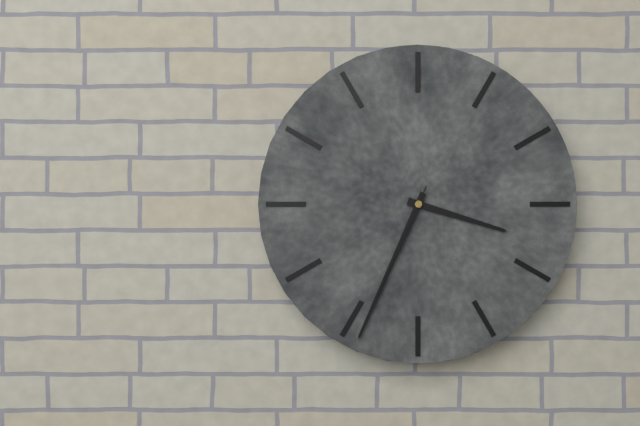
3:34:34
